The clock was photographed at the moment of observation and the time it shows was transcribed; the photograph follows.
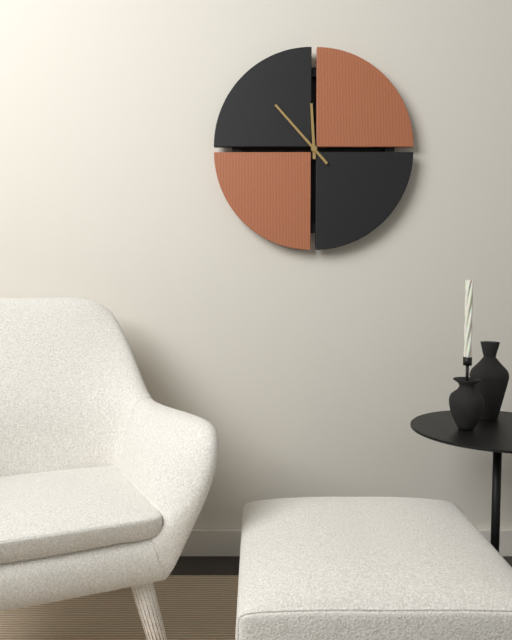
11:53
